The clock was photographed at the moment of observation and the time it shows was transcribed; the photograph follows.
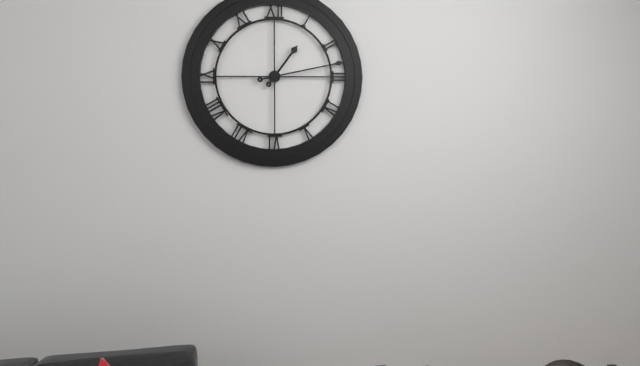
1:13
